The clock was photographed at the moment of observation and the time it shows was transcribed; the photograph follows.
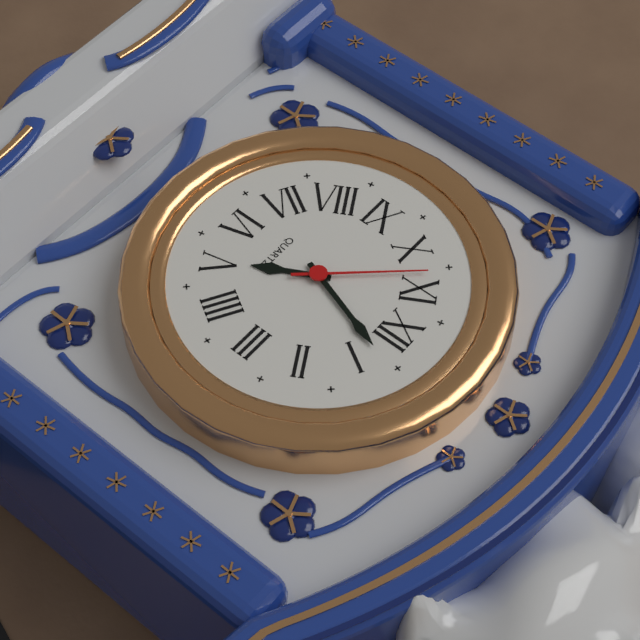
5:03:53
